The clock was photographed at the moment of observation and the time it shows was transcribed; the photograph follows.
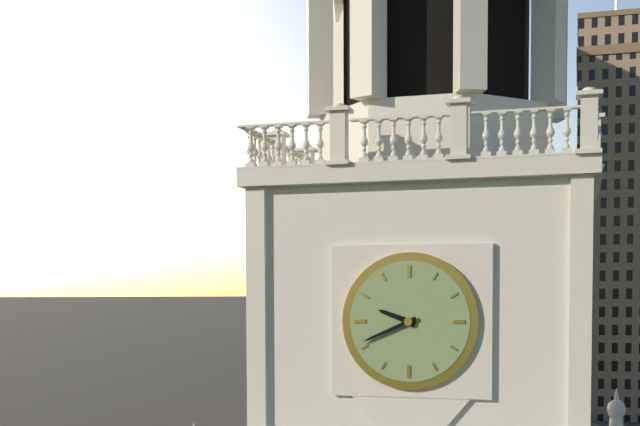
9:41
